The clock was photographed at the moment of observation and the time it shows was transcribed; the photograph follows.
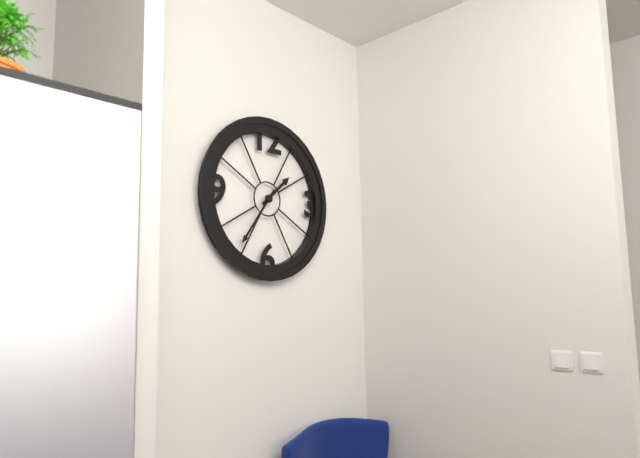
1:36
